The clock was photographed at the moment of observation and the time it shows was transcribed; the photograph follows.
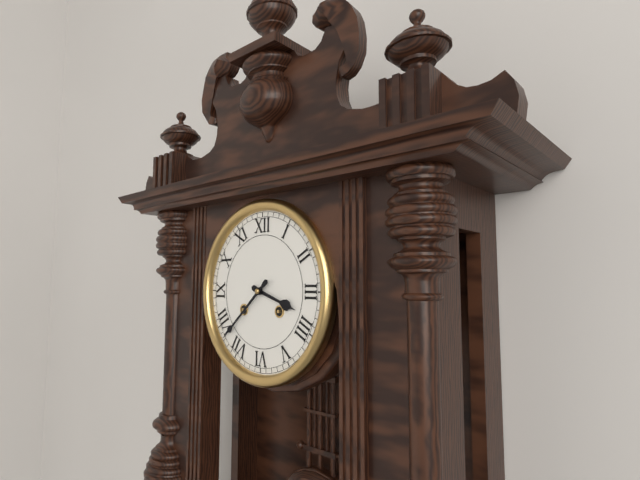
3:38
